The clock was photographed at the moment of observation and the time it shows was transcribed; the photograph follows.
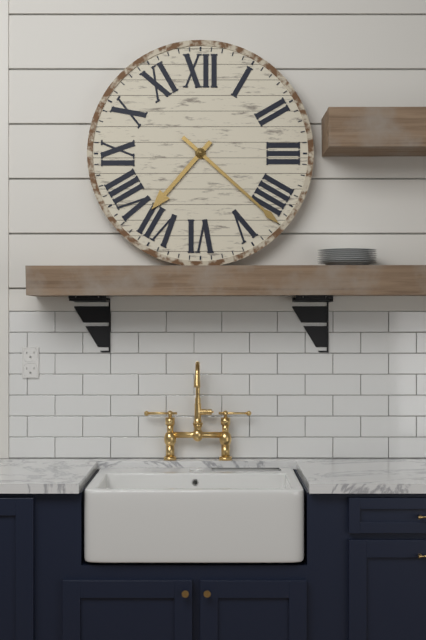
7:22
